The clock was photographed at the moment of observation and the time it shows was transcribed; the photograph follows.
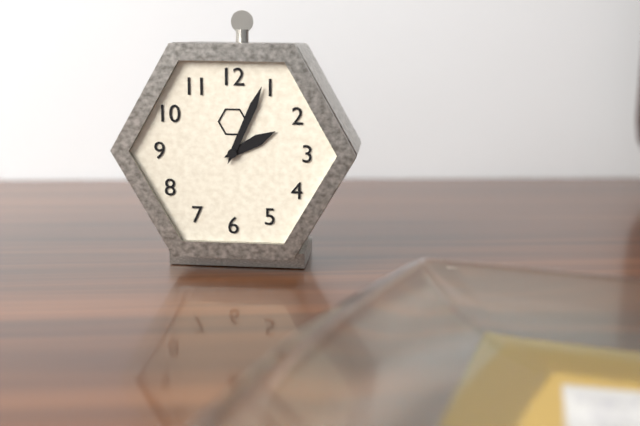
2:04
